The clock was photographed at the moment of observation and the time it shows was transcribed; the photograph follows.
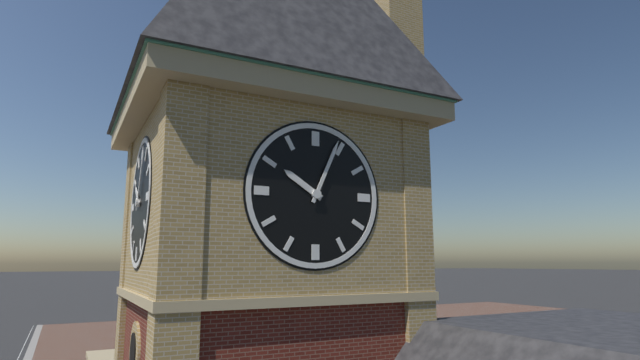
10:04
